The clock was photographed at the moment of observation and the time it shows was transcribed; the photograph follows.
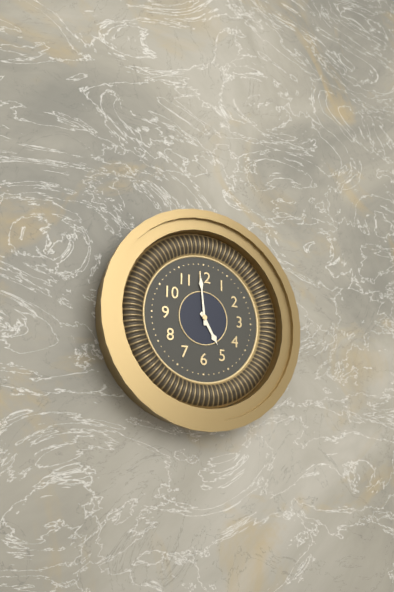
4:59
